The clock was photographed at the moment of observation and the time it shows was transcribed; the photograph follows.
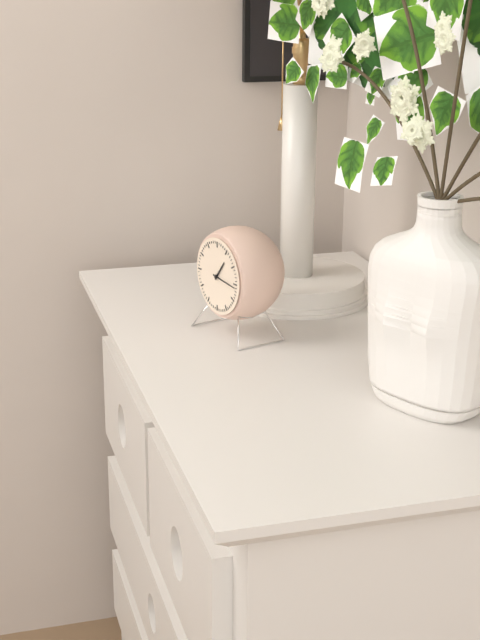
1:16
